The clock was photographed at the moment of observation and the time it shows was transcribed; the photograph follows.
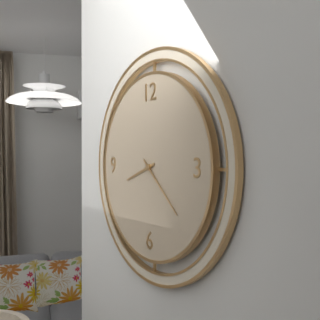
8:22
